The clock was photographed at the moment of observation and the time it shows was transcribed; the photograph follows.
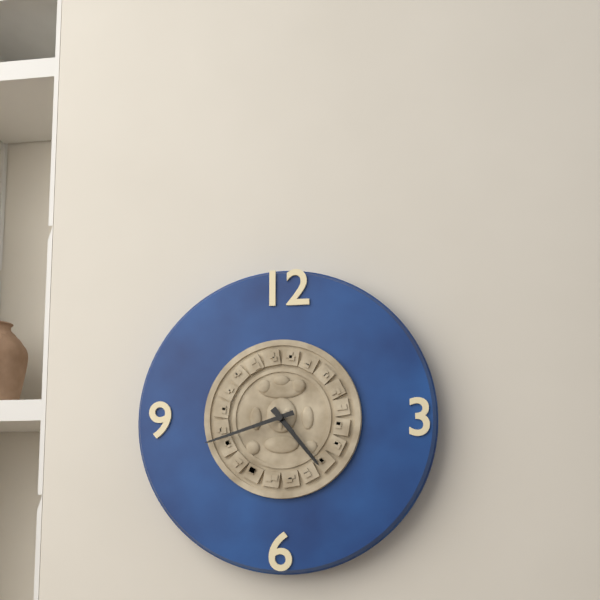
4:42
